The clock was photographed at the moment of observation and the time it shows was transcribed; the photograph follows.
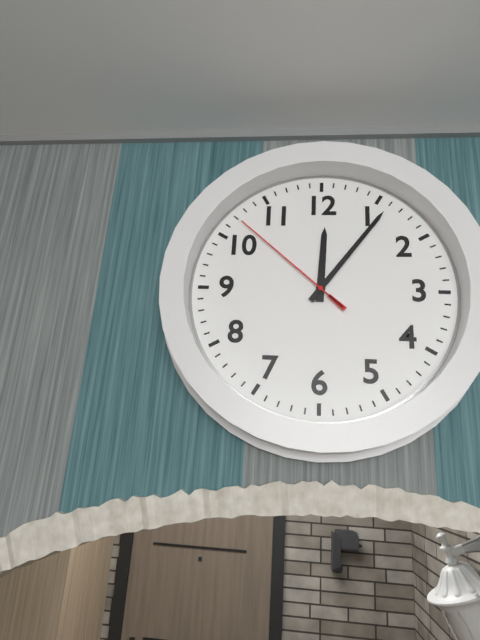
12:06:52
